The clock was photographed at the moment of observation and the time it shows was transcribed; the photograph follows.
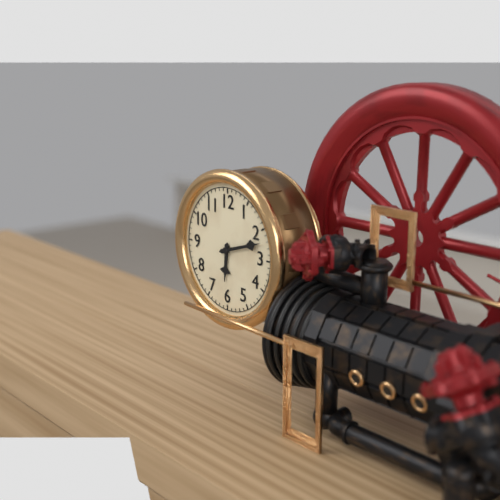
6:12
